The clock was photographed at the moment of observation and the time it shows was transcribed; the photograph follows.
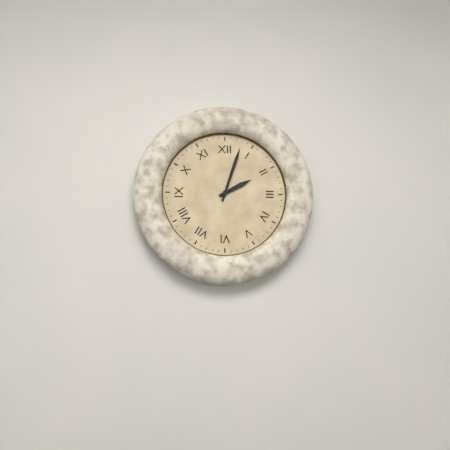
2:03
